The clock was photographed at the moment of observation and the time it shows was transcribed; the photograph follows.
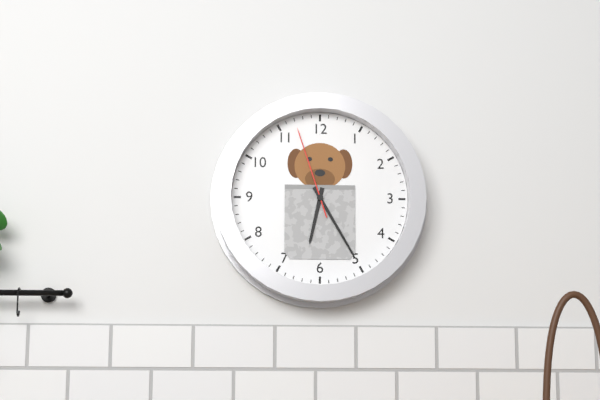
6:25:57
